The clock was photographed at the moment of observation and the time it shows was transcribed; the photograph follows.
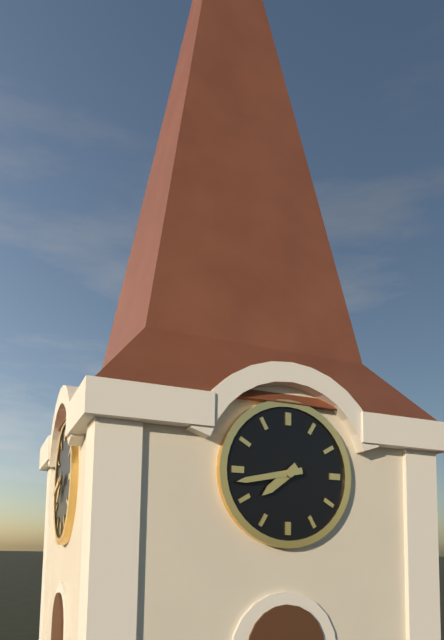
7:43
